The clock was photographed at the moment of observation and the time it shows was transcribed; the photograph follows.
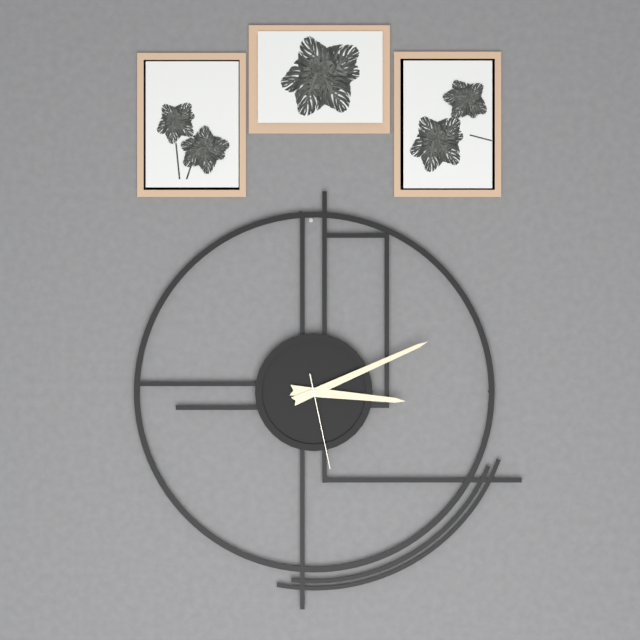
3:11:28
